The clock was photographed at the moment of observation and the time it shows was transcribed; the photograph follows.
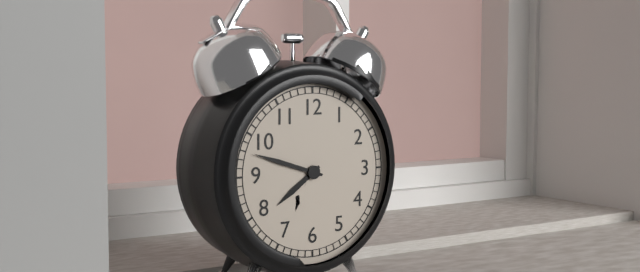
7:48
